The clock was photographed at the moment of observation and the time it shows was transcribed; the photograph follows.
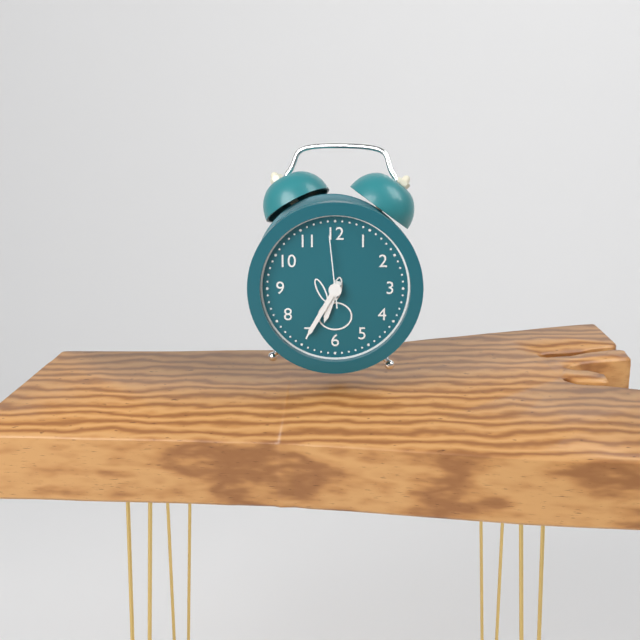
6:35:59
